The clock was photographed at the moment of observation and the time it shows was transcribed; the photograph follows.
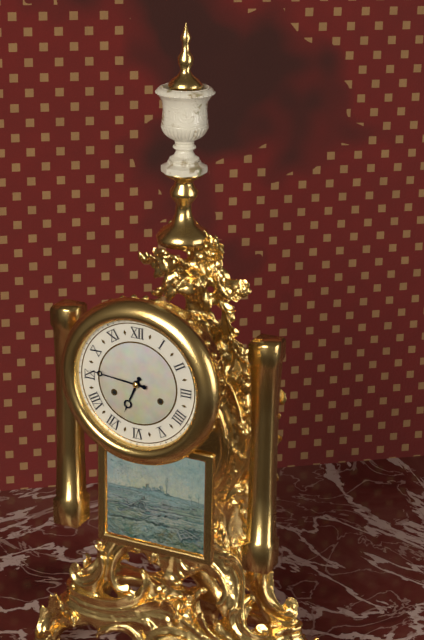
6:46
